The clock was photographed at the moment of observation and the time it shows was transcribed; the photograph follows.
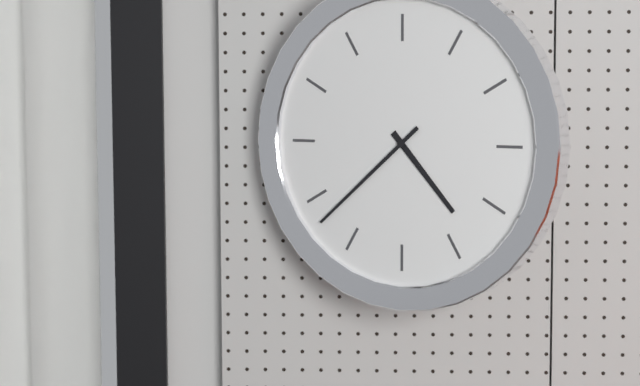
4:38
